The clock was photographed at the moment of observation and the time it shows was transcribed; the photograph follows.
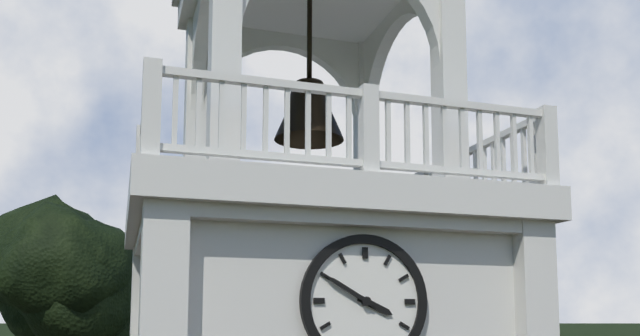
3:50
